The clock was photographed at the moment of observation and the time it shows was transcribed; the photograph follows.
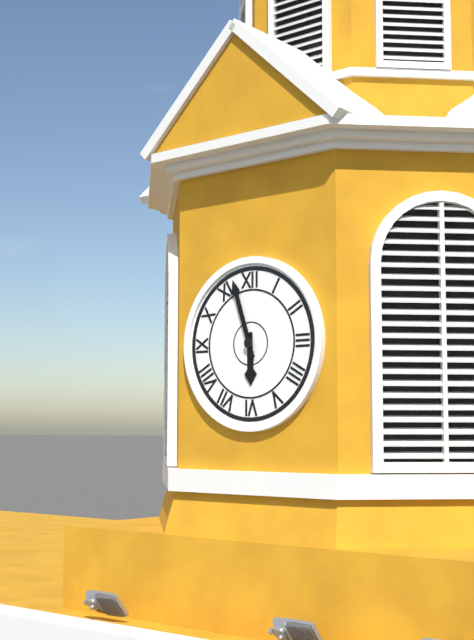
5:57
